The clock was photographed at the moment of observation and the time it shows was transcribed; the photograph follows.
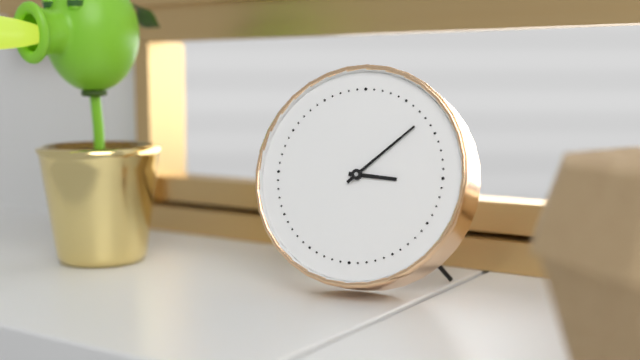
3:08
